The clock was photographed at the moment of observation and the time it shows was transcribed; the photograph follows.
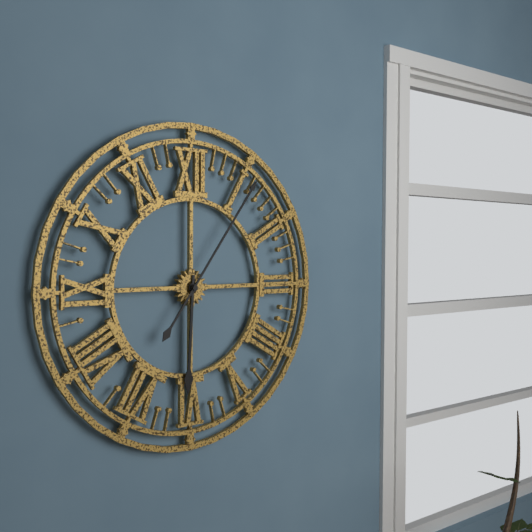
6:06
